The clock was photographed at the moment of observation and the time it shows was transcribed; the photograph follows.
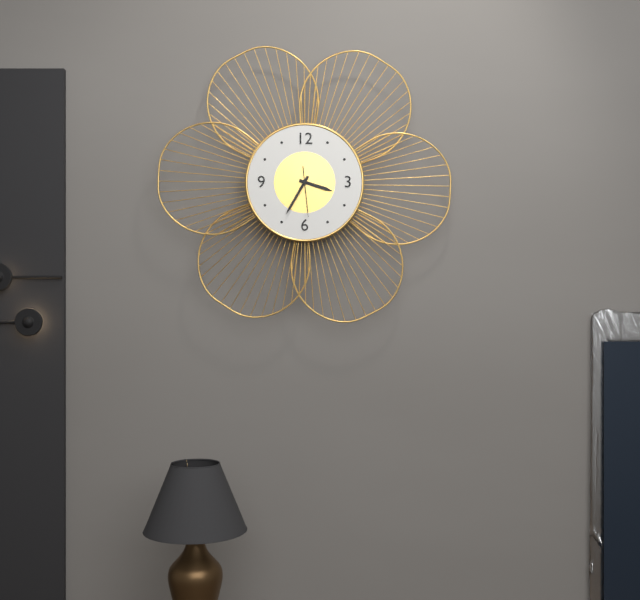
3:35
